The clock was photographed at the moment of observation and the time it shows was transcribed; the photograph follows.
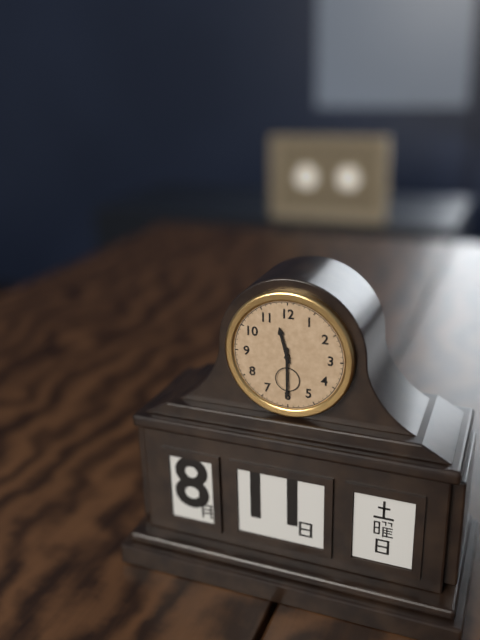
11:30
